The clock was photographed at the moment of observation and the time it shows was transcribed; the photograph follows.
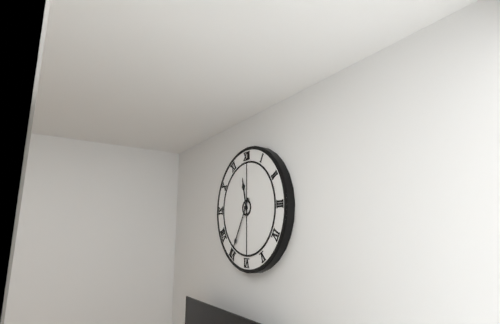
11:35
